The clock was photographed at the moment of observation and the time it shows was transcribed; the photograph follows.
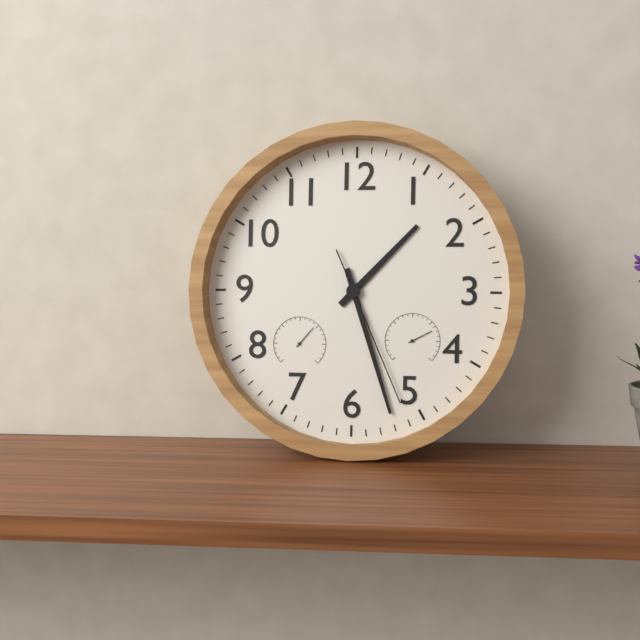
1:27:26
